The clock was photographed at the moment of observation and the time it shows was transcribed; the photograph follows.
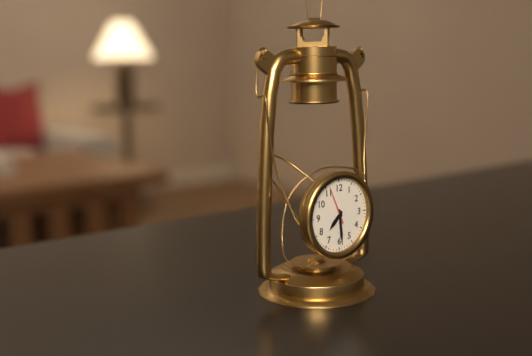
7:29
